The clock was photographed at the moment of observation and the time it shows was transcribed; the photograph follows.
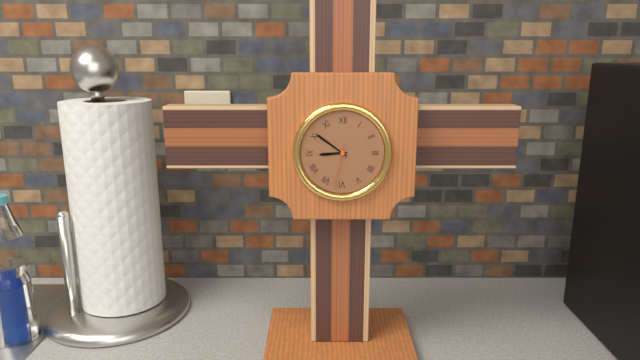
8:51
